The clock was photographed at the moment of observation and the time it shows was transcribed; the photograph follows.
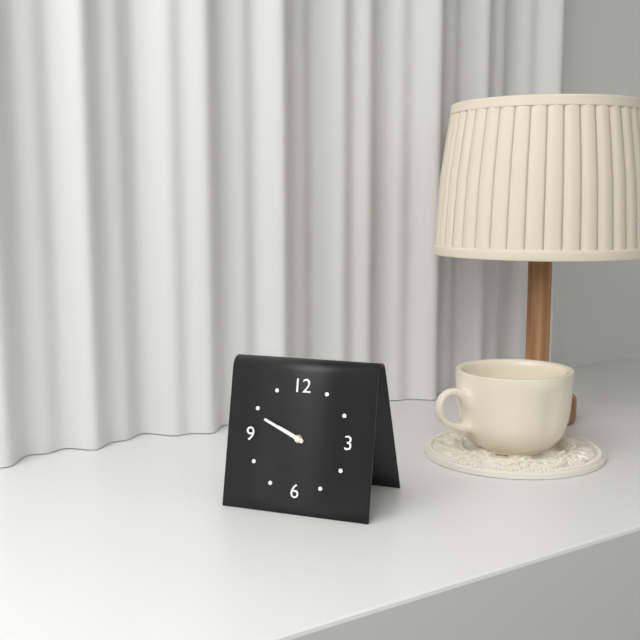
9:49
